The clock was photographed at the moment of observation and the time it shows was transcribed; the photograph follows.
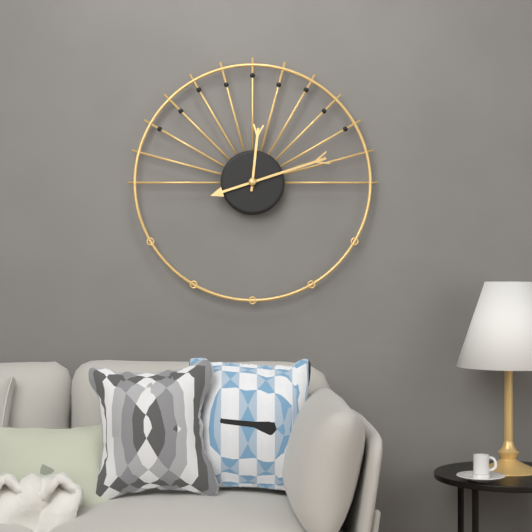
12:12
